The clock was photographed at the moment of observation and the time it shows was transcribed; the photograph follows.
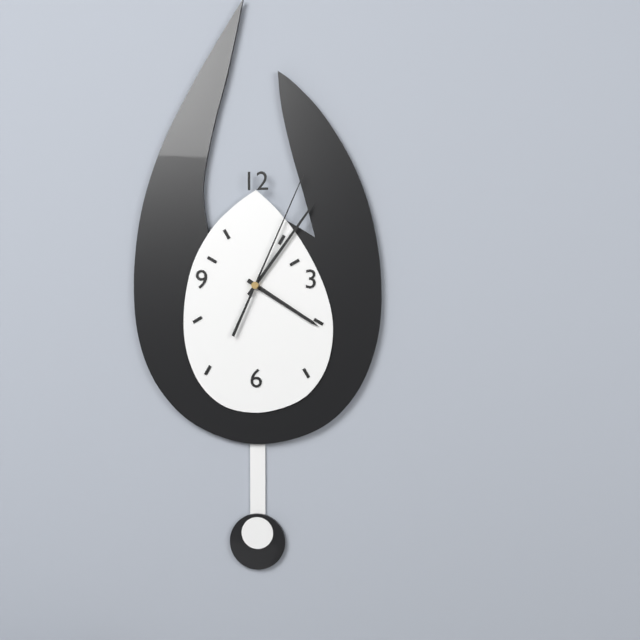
4:06:04
